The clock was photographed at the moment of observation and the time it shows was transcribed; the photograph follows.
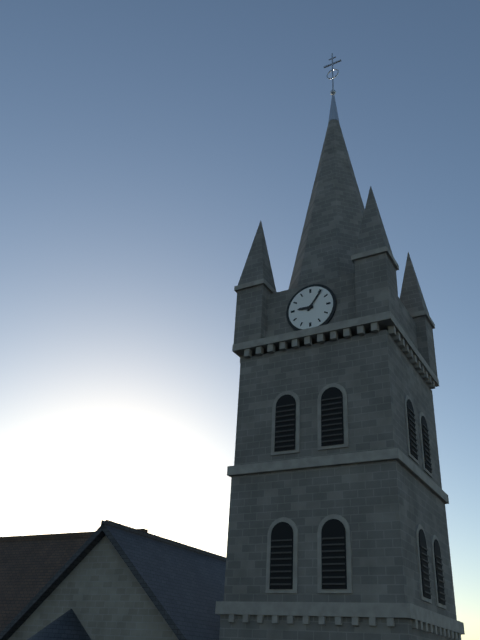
9:06
